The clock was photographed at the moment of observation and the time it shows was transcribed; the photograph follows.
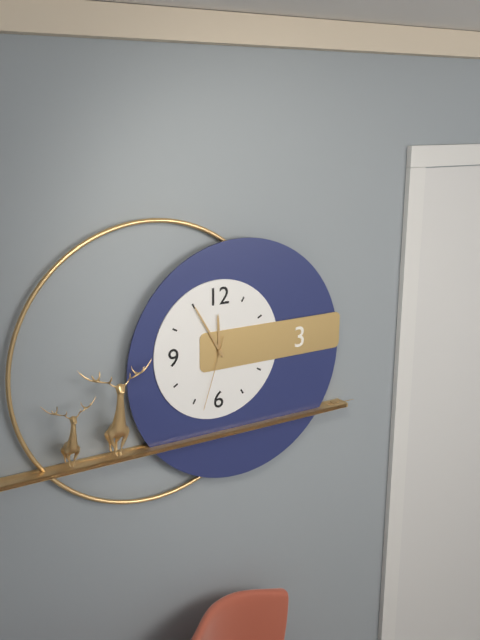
11:55:33
